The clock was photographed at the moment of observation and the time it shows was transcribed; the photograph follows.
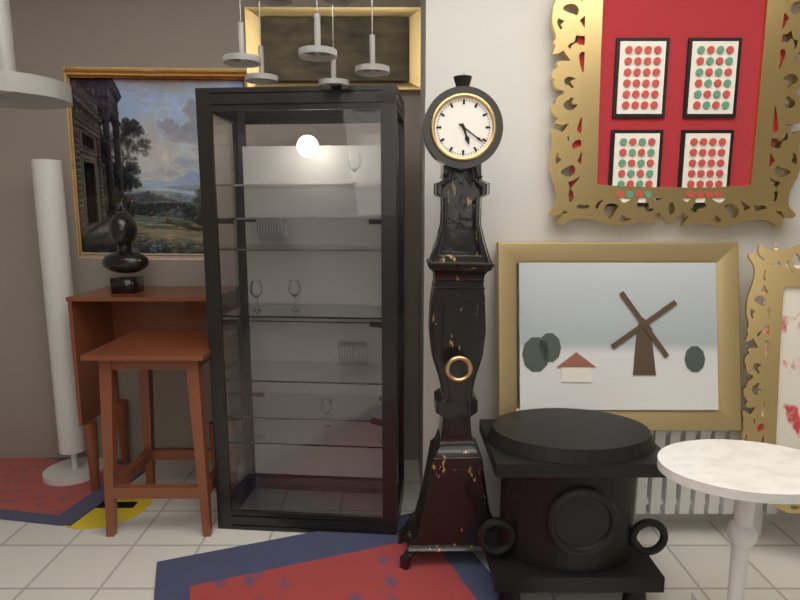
5:21
